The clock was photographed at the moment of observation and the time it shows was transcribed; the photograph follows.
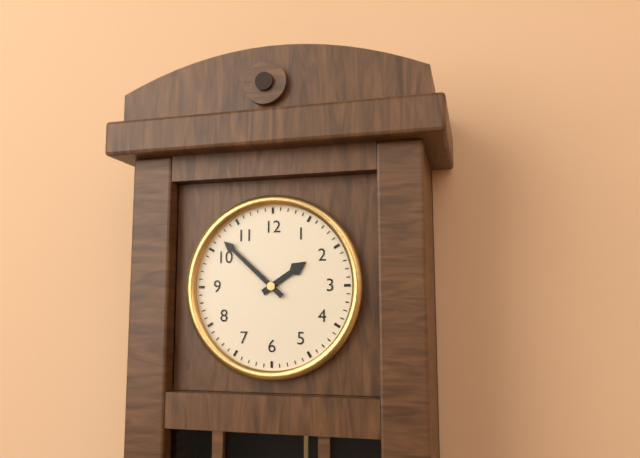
1:52
